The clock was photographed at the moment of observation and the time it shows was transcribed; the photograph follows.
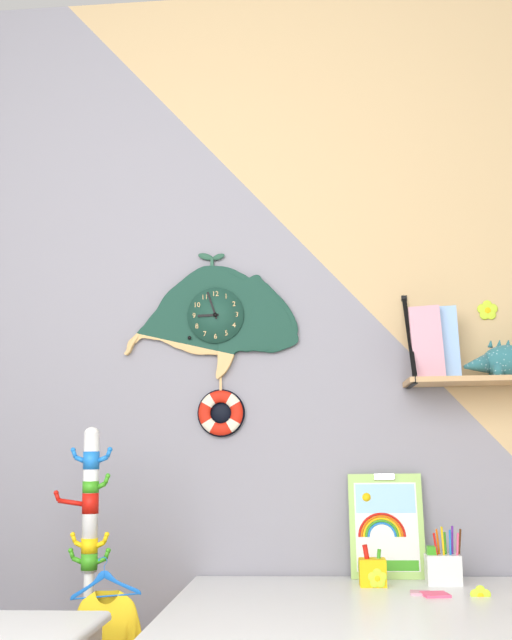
8:57
